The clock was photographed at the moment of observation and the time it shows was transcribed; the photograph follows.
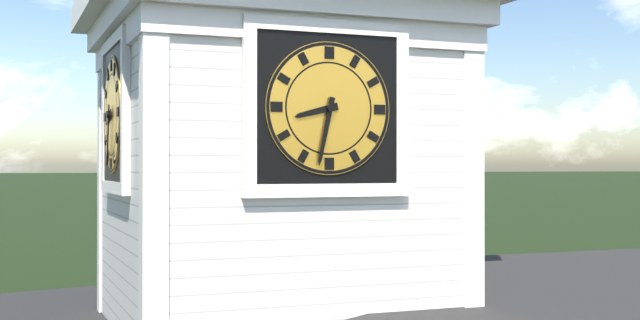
8:32
